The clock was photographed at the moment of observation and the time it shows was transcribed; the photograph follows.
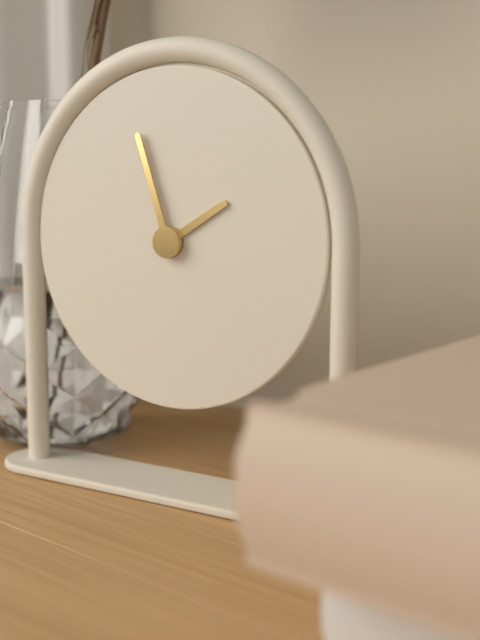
1:57
